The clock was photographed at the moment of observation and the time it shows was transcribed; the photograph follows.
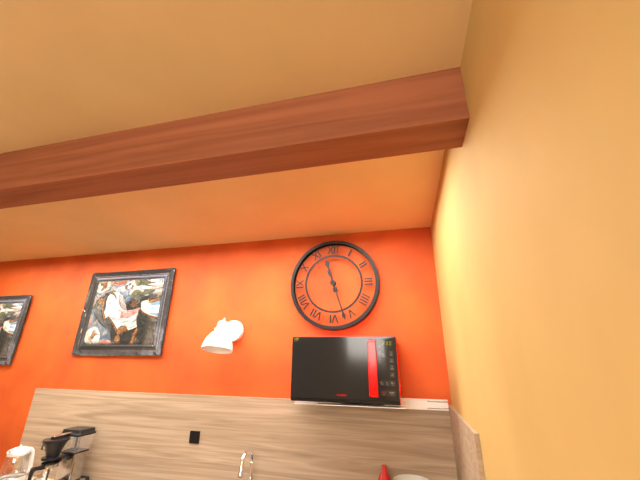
11:27
